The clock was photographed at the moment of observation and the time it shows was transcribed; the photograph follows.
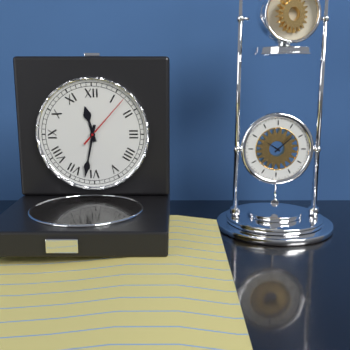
11:32:07
